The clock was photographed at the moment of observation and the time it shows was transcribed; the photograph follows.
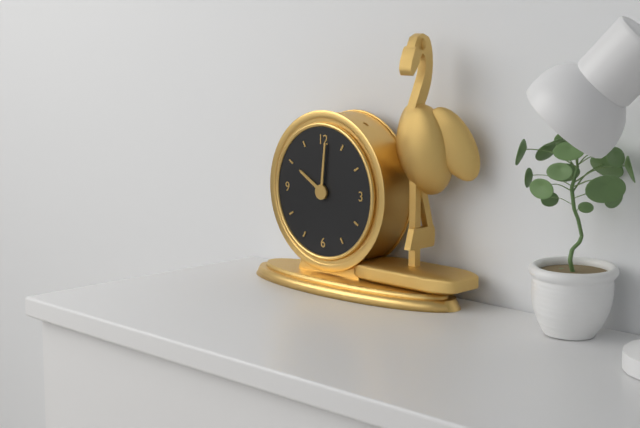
10:01
